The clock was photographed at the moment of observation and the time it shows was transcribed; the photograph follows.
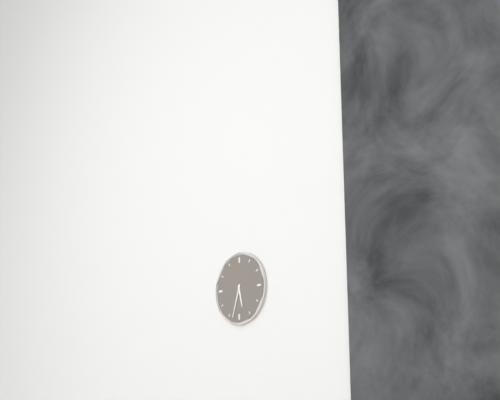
5:33
